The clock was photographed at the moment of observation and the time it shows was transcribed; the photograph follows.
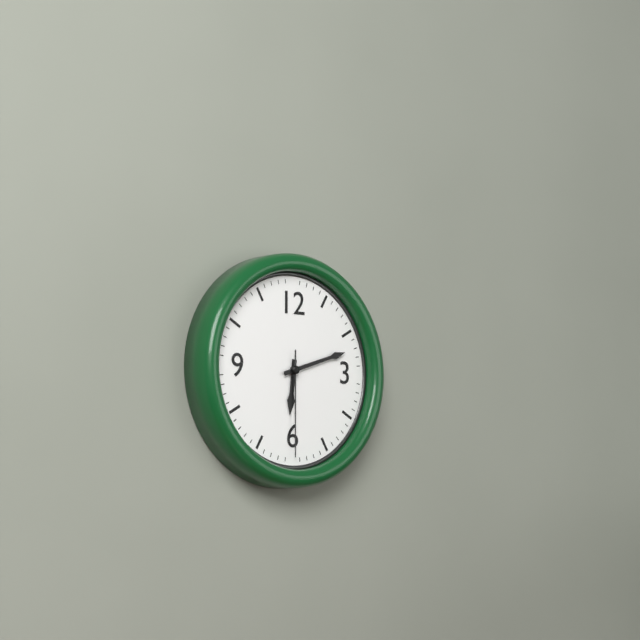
6:12:30
